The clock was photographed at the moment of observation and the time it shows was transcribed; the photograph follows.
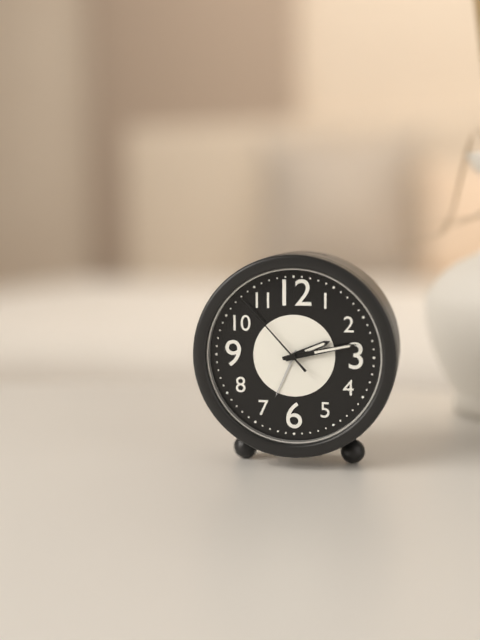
2:13:53
